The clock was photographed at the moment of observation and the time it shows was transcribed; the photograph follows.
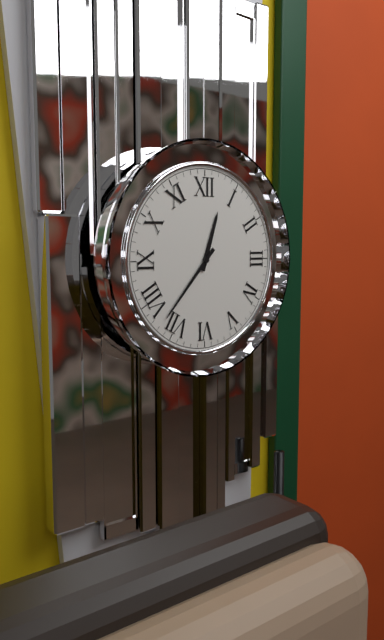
12:37
